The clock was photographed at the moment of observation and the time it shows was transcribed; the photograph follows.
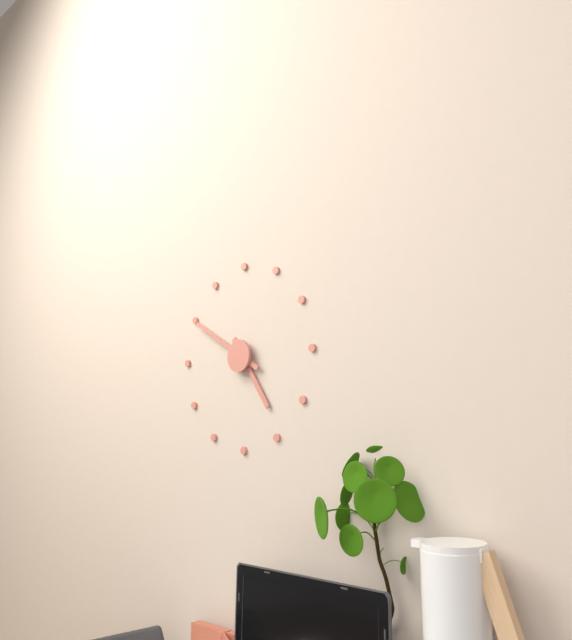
4:50
